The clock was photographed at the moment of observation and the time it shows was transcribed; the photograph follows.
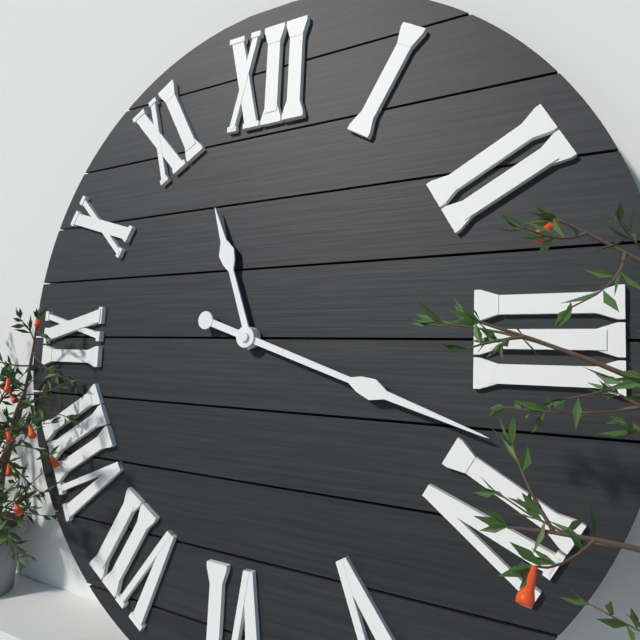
11:18
